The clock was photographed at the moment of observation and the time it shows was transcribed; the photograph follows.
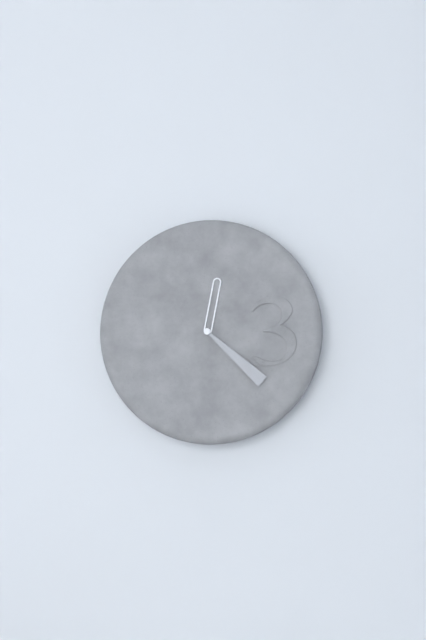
12:22
